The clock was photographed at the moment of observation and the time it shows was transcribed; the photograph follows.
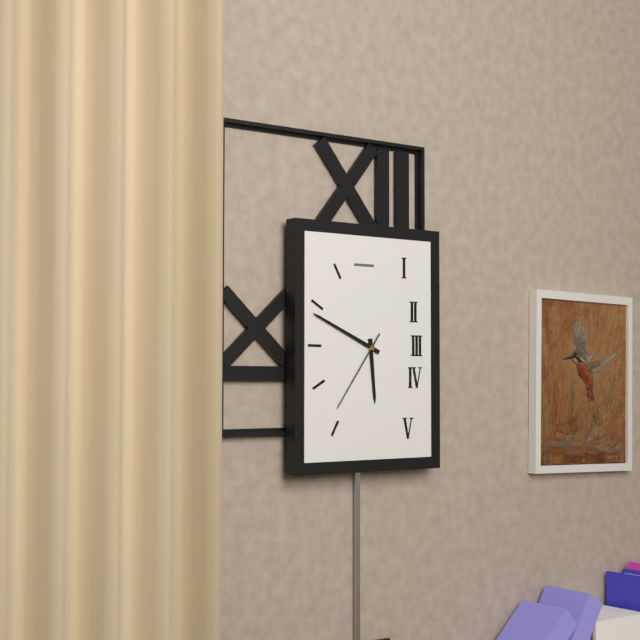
5:49:36
